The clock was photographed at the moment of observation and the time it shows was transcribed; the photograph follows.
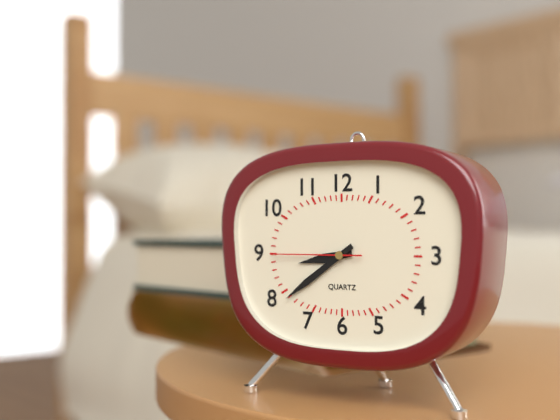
8:39:45
